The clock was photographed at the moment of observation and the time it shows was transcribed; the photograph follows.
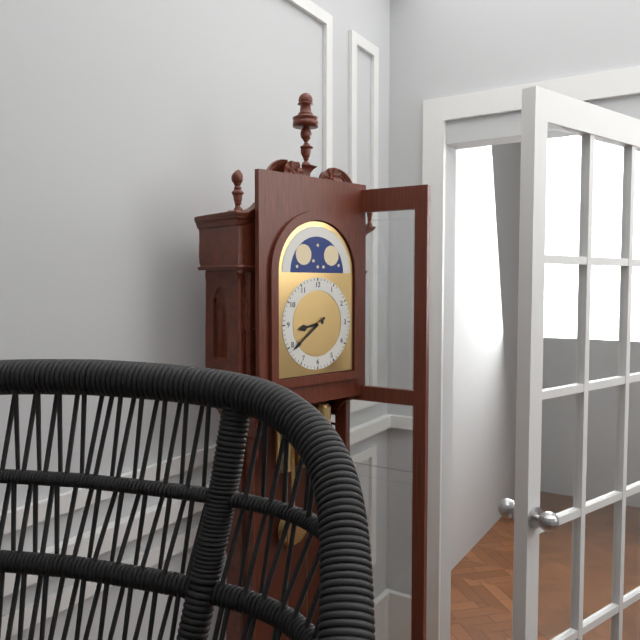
8:39
